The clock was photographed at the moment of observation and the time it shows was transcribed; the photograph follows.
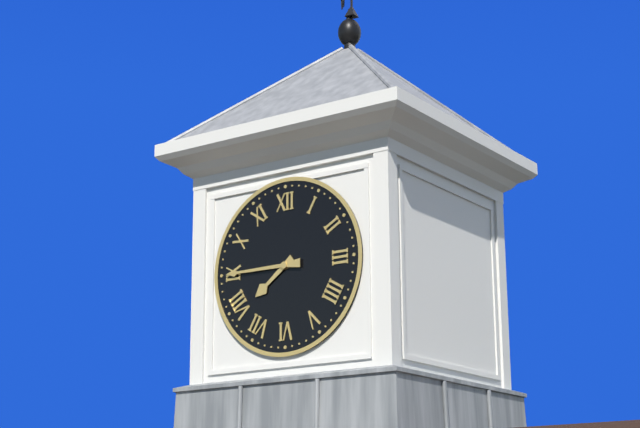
7:45
